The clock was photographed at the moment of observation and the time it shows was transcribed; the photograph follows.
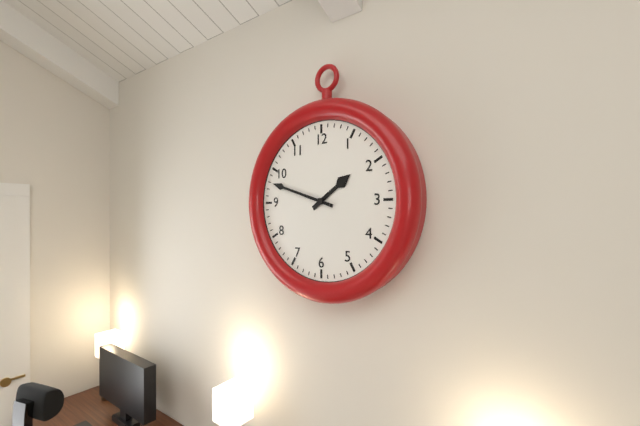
1:48
